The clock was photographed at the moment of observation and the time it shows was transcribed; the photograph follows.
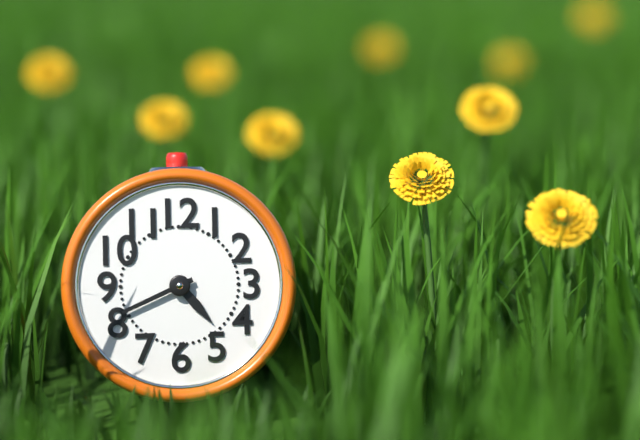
4:41
